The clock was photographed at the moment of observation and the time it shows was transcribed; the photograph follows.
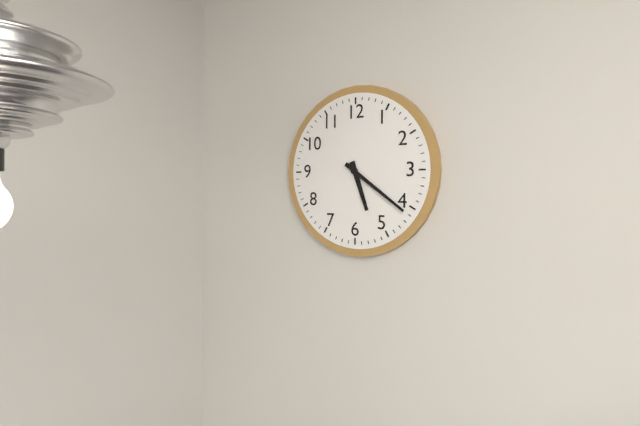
5:21
